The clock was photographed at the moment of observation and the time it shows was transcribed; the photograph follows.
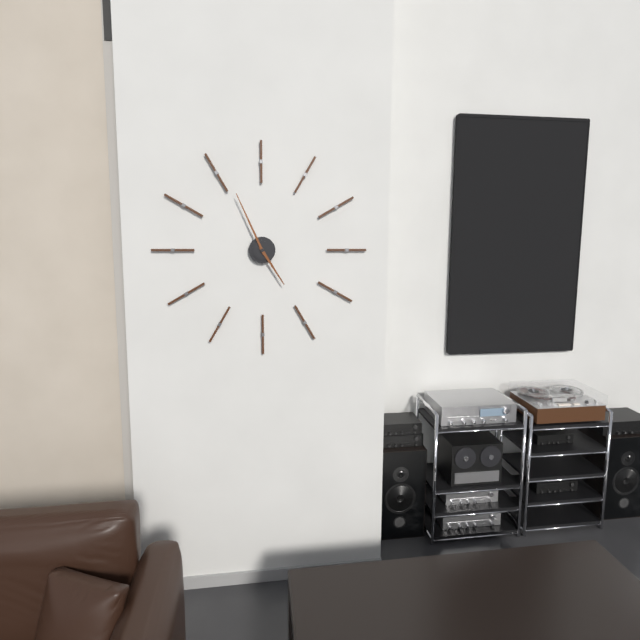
4:56
